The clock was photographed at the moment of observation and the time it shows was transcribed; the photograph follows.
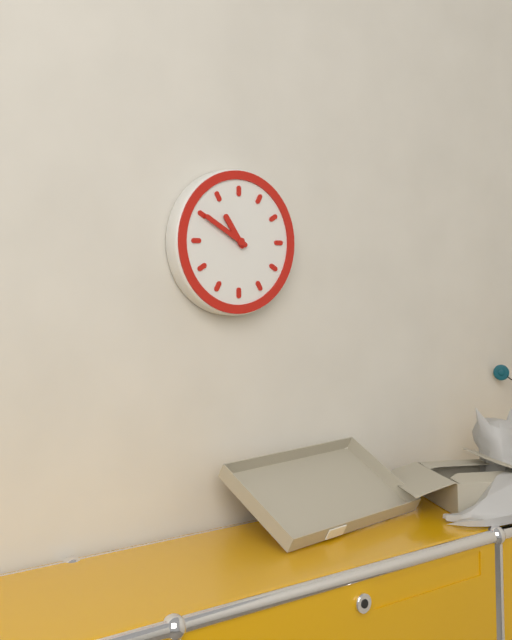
10:50
